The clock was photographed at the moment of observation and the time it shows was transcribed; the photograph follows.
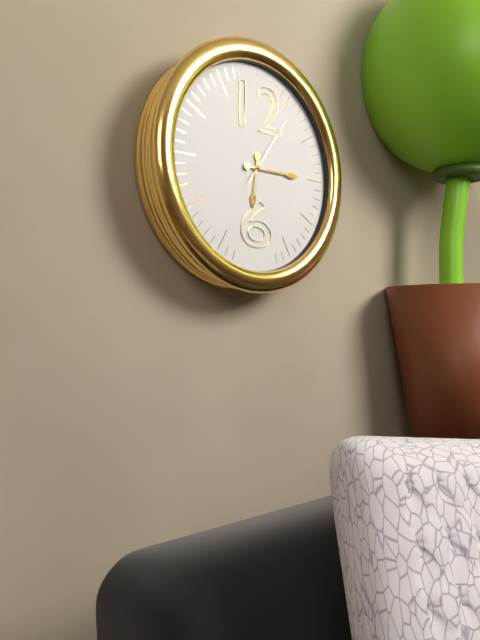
6:15:06
